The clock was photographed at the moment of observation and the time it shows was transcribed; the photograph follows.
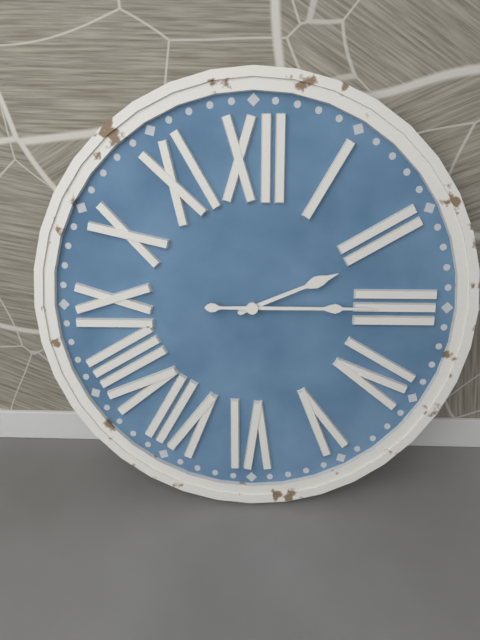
2:15
